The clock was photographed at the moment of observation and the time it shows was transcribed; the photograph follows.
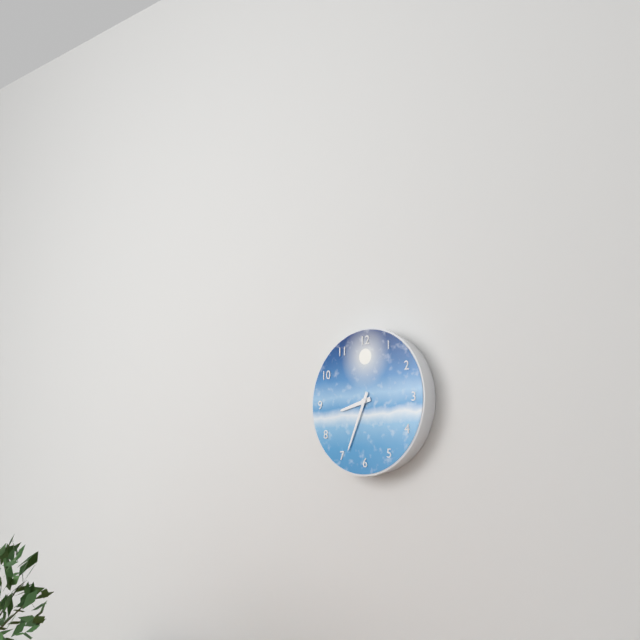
8:34
